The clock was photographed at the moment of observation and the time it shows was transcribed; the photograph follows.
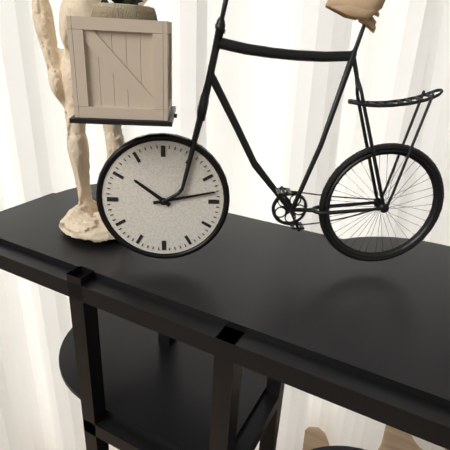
10:13
